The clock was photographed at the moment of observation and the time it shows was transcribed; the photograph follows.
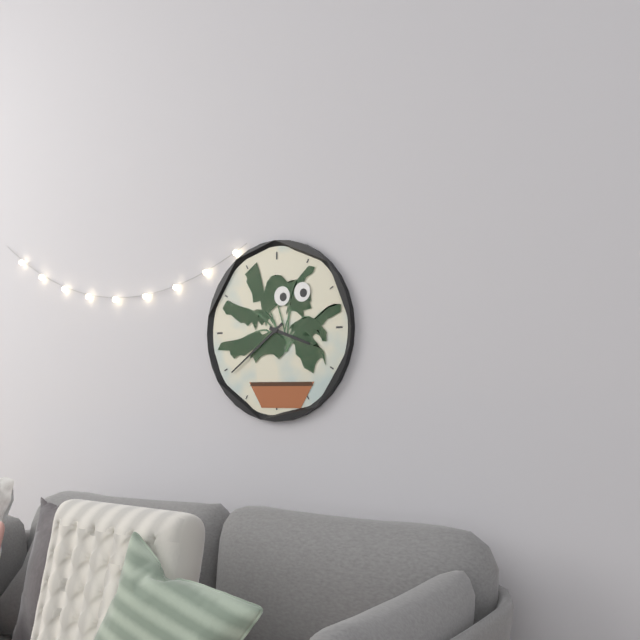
3:39
